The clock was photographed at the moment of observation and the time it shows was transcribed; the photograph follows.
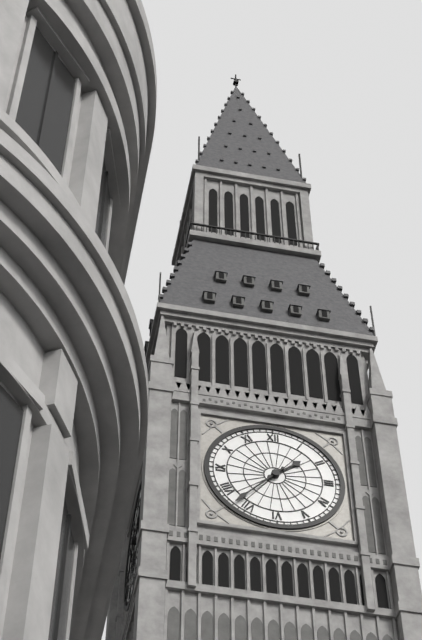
1:37
